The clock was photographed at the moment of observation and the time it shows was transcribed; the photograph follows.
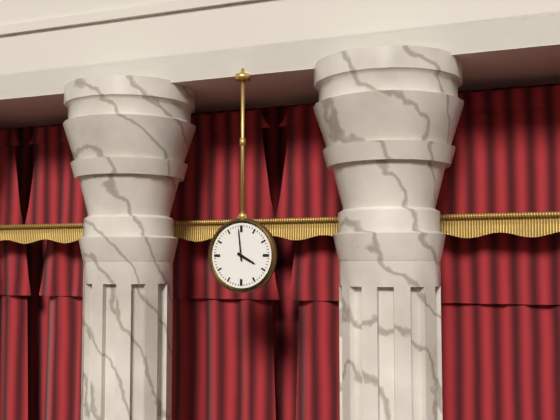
3:59
